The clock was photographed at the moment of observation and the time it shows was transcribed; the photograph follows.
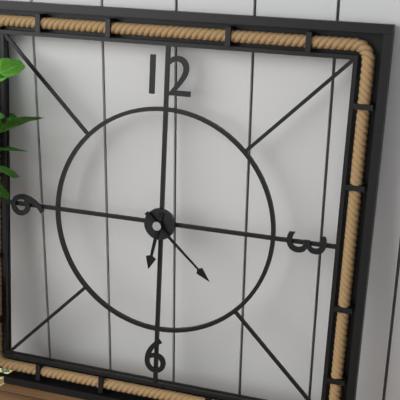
6:22
